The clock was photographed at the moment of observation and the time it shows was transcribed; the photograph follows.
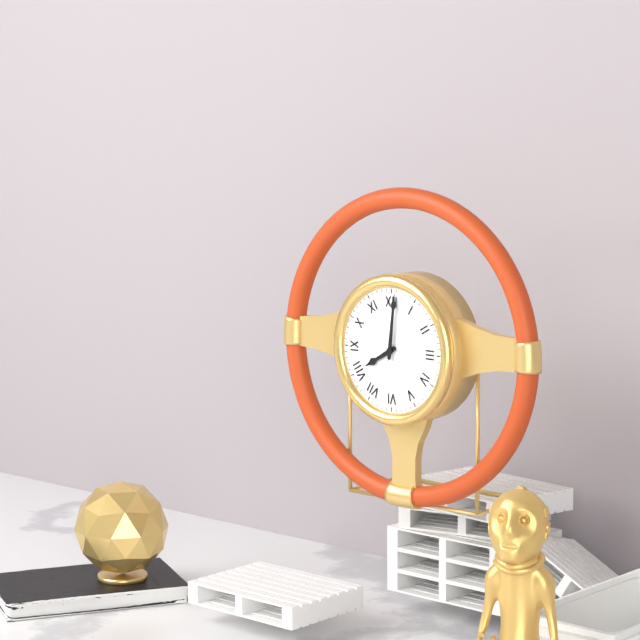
8:01
